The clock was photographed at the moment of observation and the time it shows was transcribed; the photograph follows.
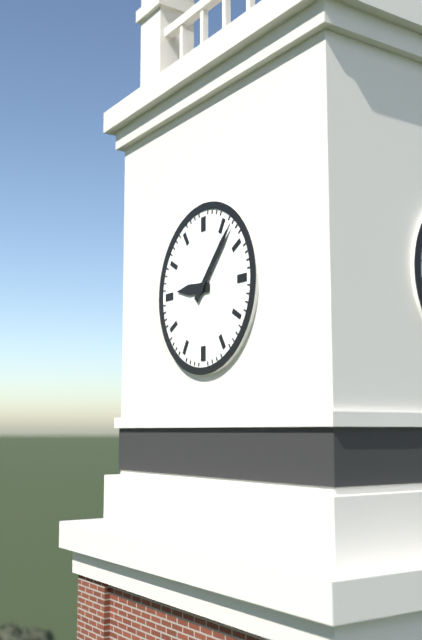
9:07
